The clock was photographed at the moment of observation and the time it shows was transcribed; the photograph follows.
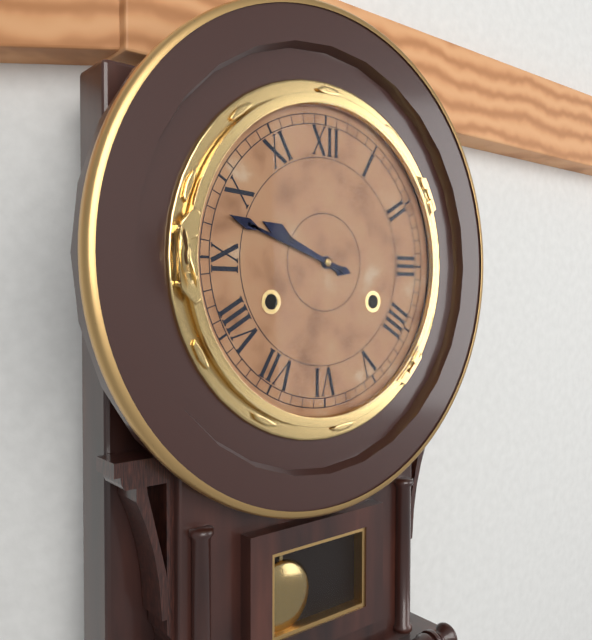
9:48
